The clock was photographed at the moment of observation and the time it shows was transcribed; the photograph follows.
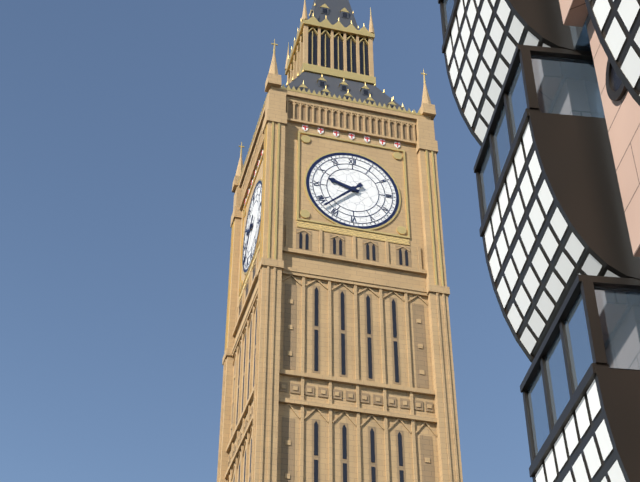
9:38
